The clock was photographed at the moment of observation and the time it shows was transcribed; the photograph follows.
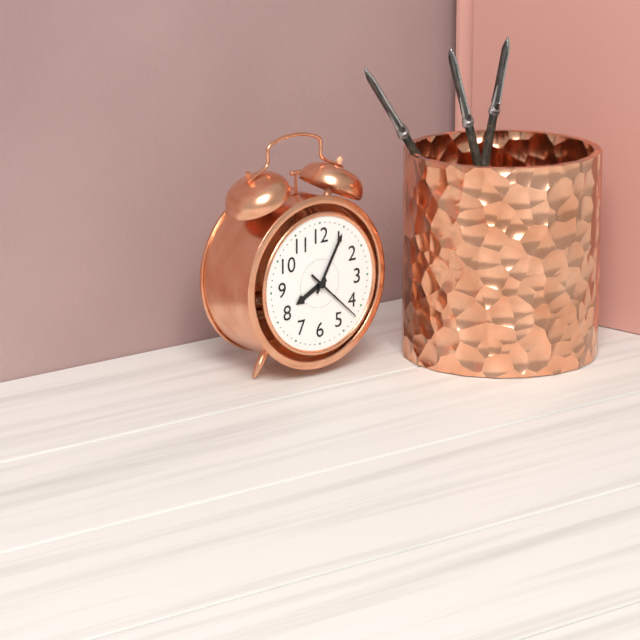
8:05:22
